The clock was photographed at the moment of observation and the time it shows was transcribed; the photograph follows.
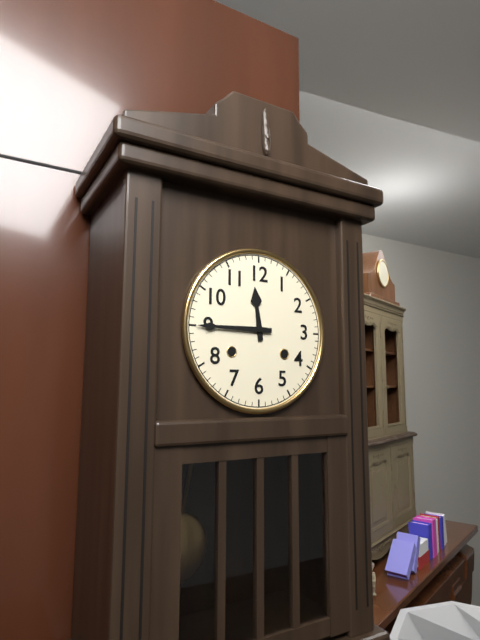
11:45
